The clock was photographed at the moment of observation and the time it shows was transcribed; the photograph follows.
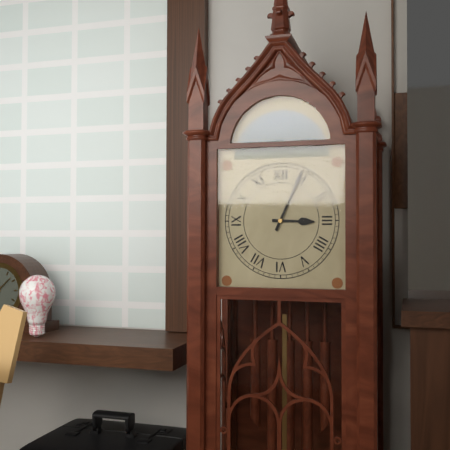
3:04
